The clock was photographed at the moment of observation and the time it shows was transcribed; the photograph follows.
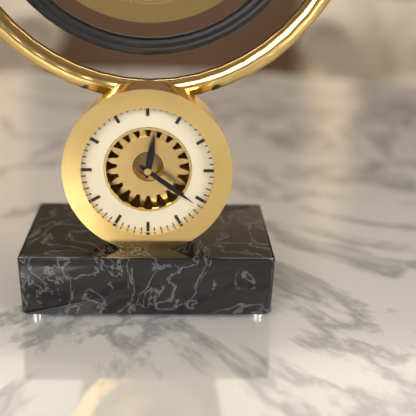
12:21
